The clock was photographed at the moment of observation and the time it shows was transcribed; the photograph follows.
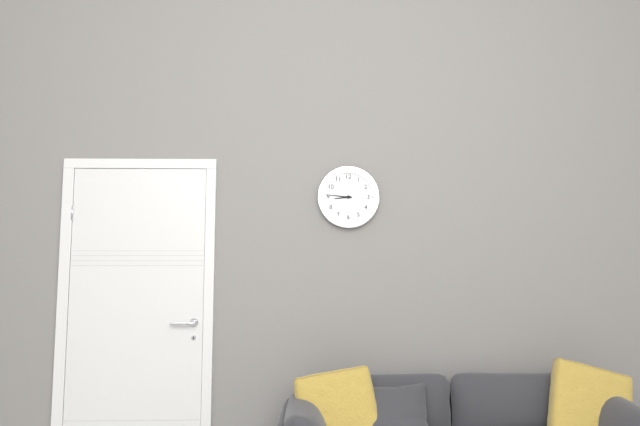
8:46
